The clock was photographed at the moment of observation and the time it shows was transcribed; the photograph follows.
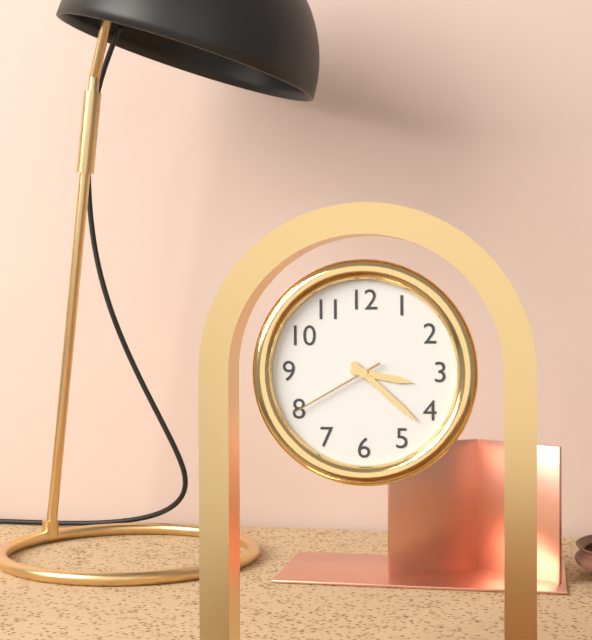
3:22:40
